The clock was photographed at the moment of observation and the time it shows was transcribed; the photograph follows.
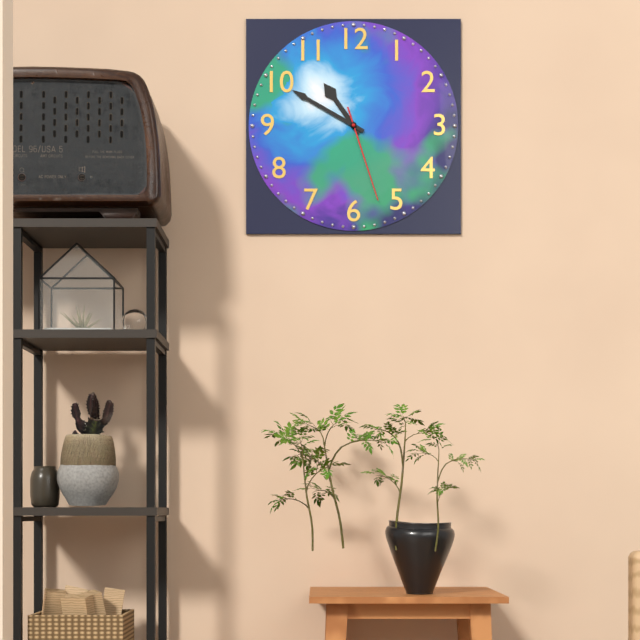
10:50:27
